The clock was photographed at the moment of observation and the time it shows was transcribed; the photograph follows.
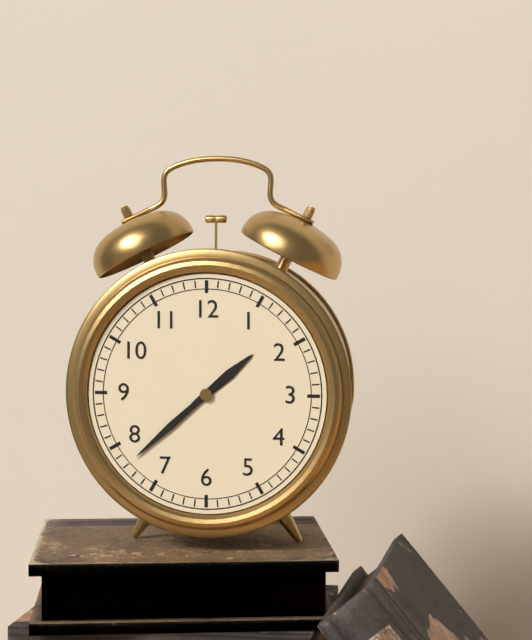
1:38
